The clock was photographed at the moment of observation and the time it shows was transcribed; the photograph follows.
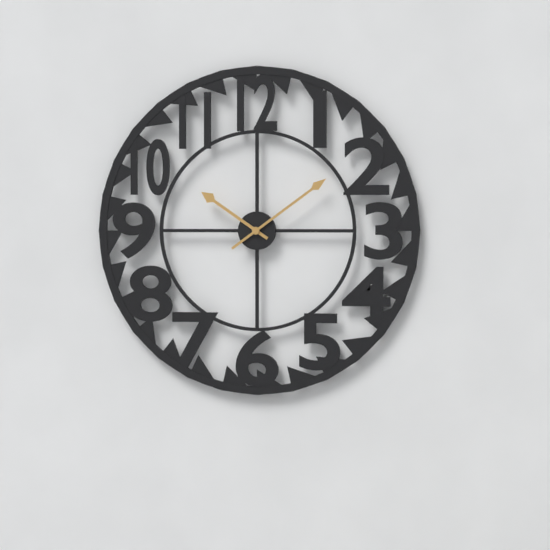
10:09
